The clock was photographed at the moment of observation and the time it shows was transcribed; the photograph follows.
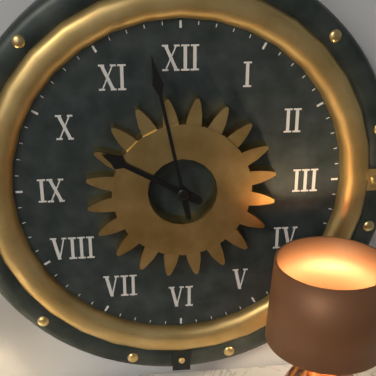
9:58
